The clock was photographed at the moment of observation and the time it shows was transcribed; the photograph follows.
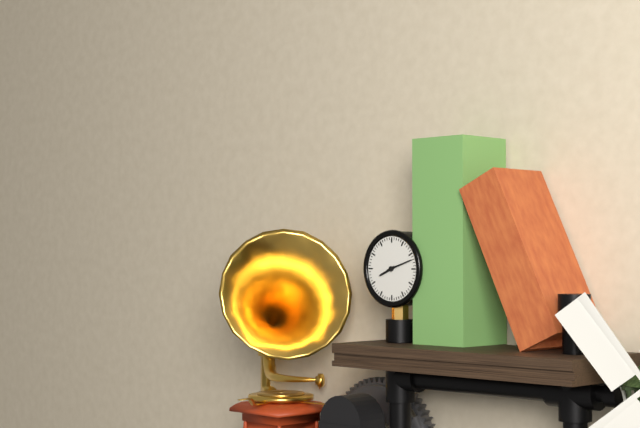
8:12
